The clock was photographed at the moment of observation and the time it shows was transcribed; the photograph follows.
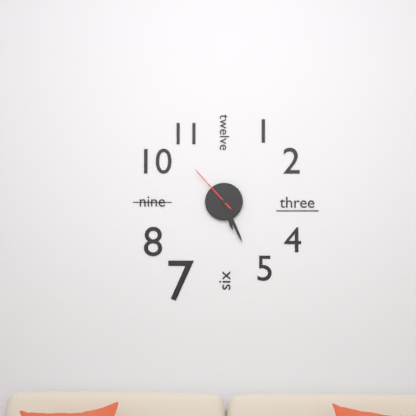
5:26:53
